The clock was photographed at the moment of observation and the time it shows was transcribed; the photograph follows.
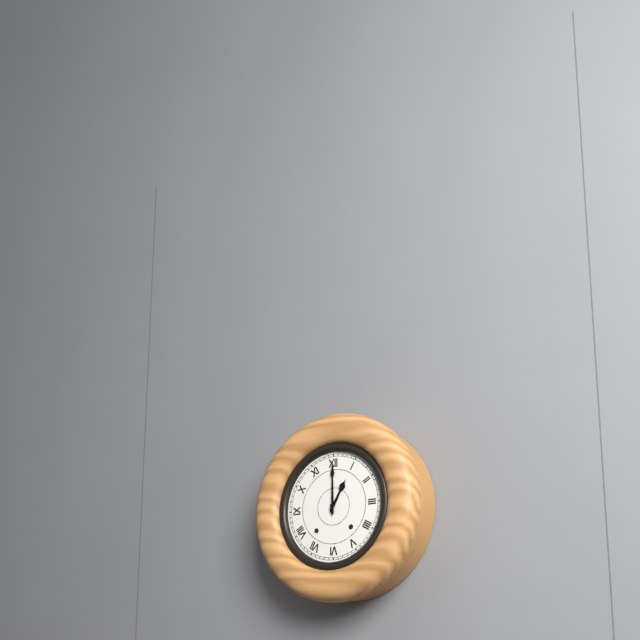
1:00
